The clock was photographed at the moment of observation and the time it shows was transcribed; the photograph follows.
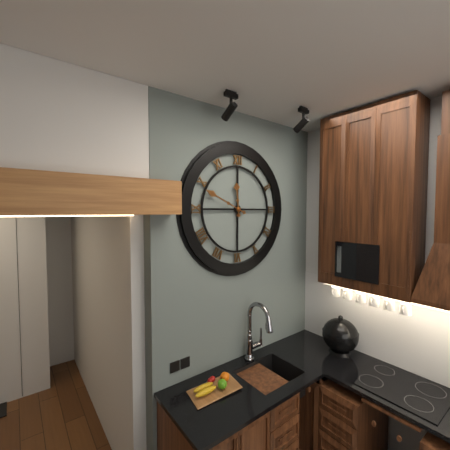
11:49
